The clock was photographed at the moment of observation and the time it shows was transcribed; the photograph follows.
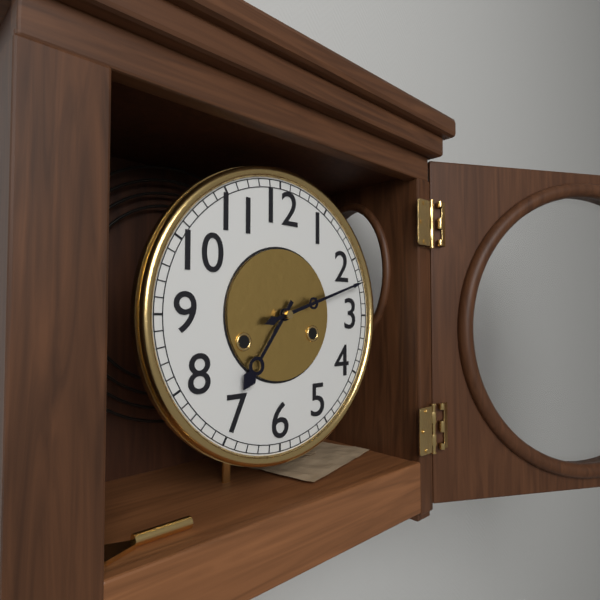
7:12
